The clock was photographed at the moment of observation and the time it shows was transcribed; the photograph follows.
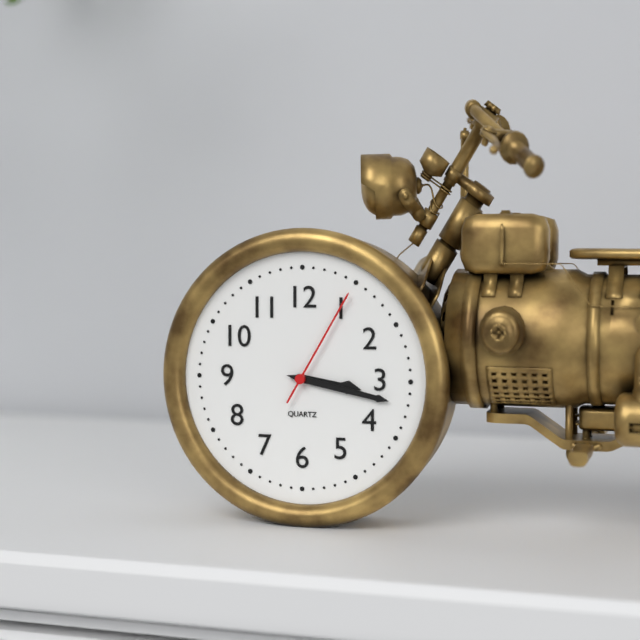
3:17:05
